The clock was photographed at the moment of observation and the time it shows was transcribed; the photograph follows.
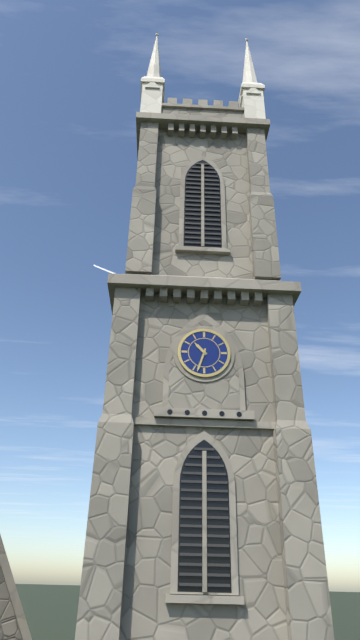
10:33
